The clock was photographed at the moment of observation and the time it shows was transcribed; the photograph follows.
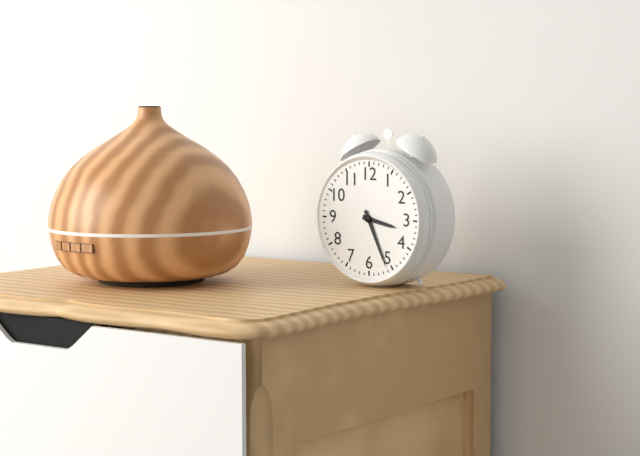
3:26
